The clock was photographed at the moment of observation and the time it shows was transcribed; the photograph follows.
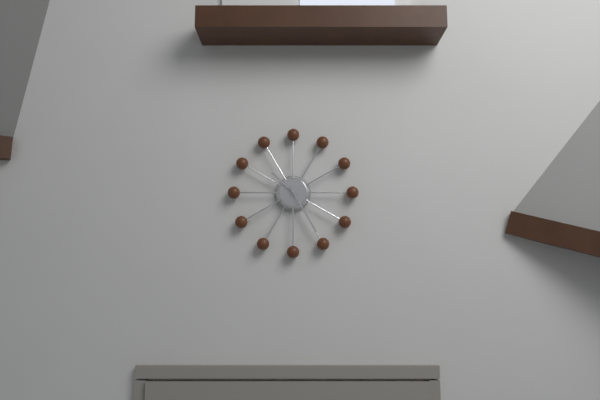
10:25
